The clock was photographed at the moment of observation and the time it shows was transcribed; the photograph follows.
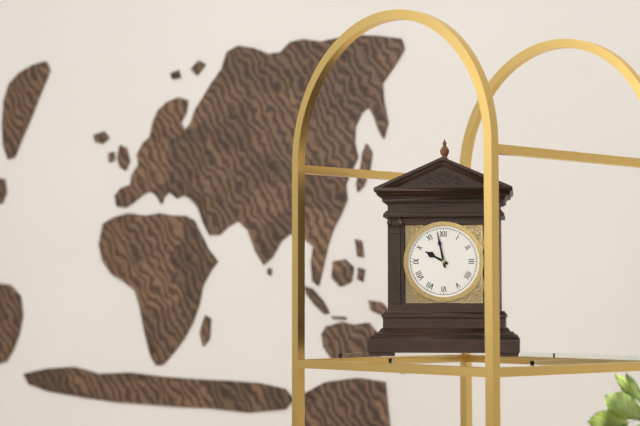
9:58
